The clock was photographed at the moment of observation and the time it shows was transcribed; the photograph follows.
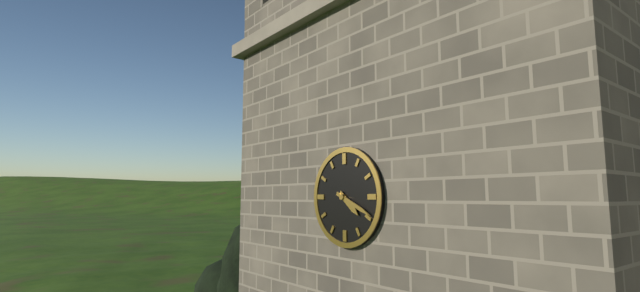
4:19
